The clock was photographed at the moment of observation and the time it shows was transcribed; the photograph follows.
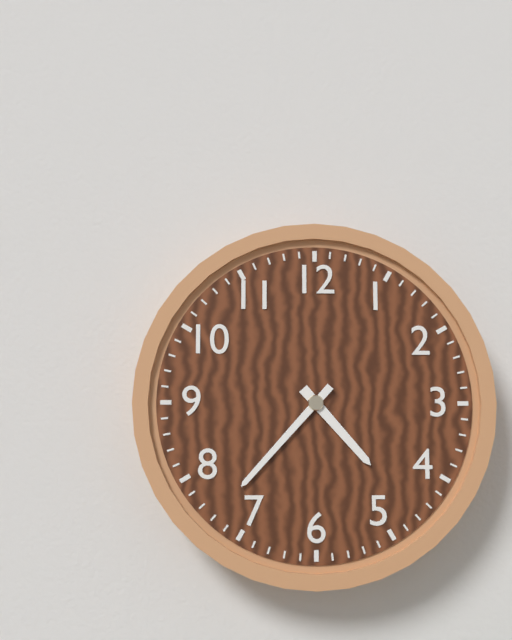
4:37
